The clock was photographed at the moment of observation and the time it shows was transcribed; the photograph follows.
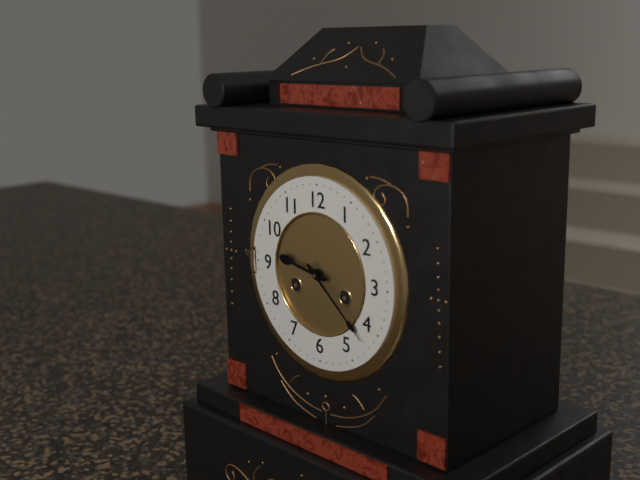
9:22
